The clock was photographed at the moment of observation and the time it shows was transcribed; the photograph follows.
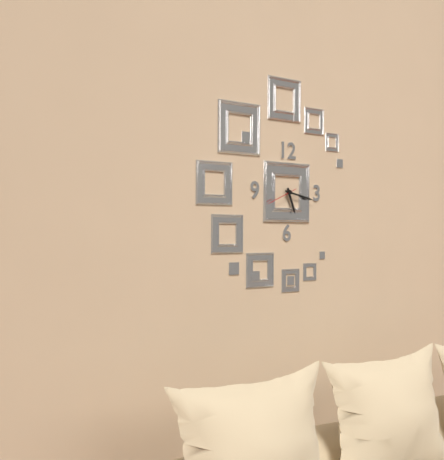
5:17
